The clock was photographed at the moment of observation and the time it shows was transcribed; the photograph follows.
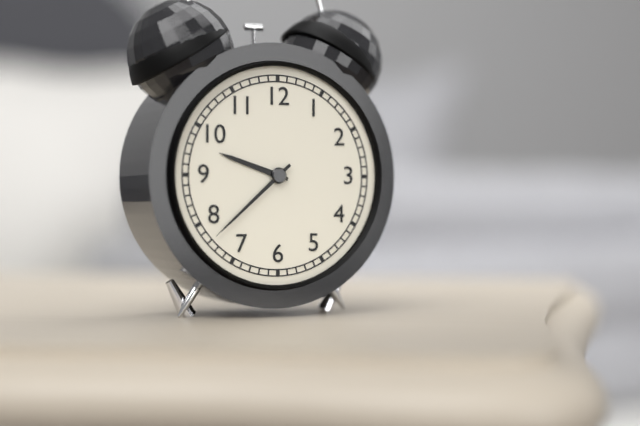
9:38
